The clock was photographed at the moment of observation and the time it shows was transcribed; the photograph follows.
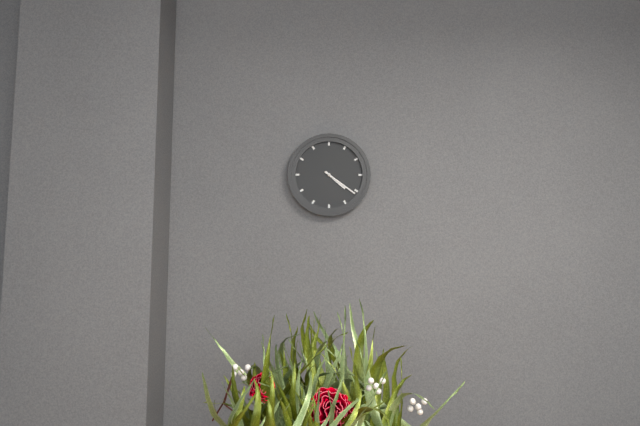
4:21
